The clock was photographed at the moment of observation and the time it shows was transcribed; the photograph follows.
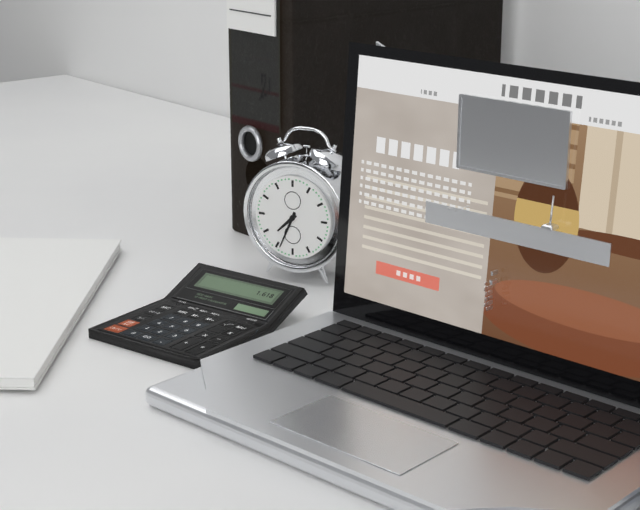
7:34
